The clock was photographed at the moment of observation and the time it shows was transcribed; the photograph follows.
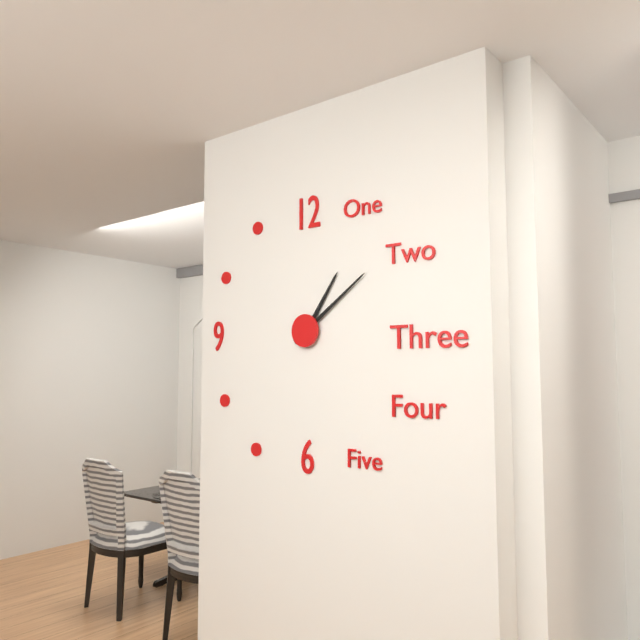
1:09
